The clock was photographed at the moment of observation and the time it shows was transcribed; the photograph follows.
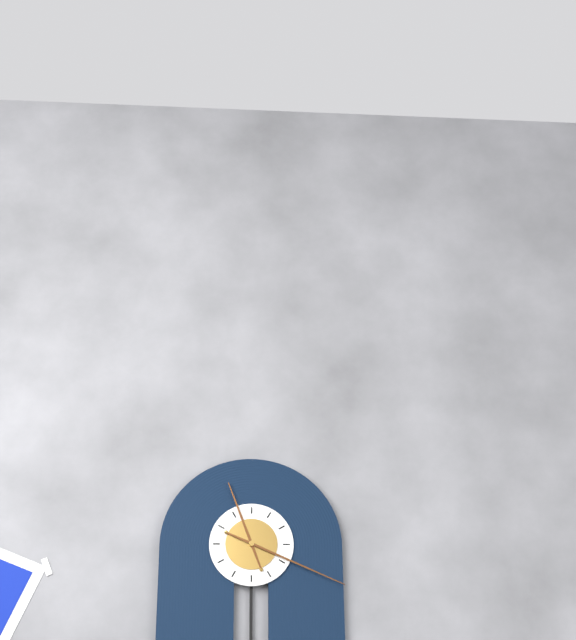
11:19
